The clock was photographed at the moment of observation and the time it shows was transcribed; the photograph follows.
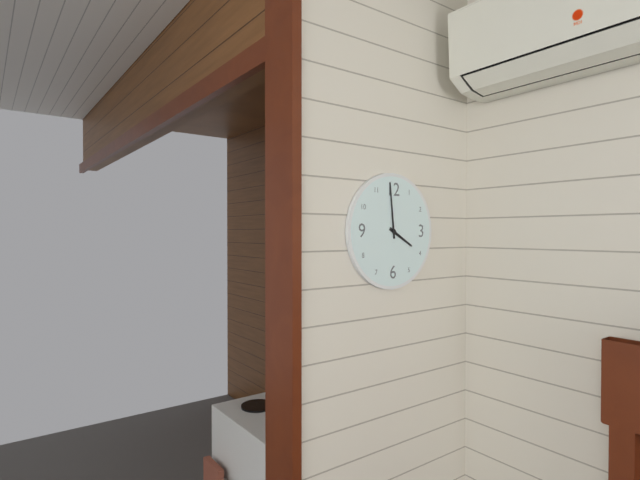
3:59
